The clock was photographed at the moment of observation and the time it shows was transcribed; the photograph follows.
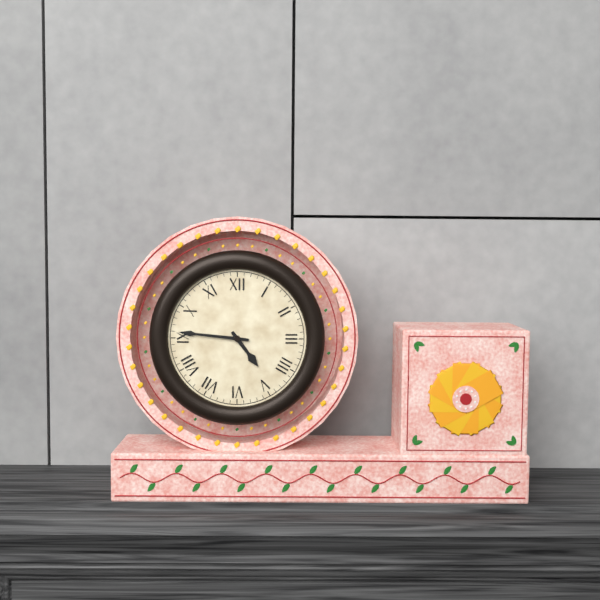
4:46
